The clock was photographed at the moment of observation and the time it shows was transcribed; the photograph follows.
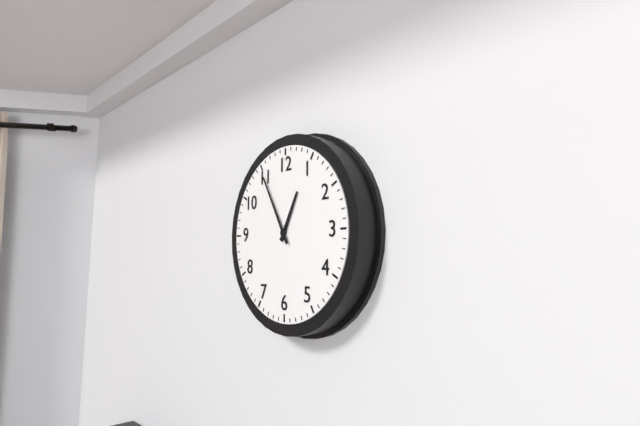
12:55
